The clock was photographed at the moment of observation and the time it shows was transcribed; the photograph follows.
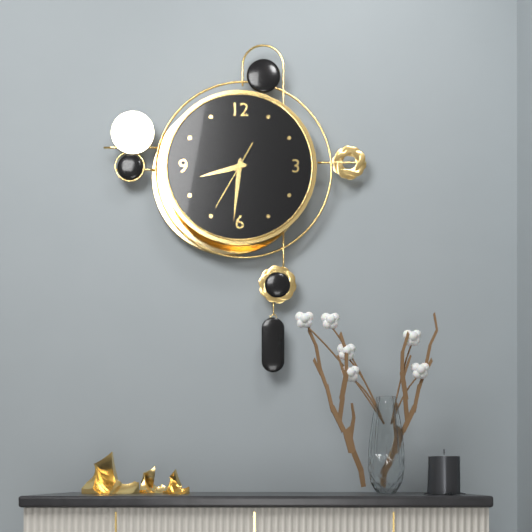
8:31:35
